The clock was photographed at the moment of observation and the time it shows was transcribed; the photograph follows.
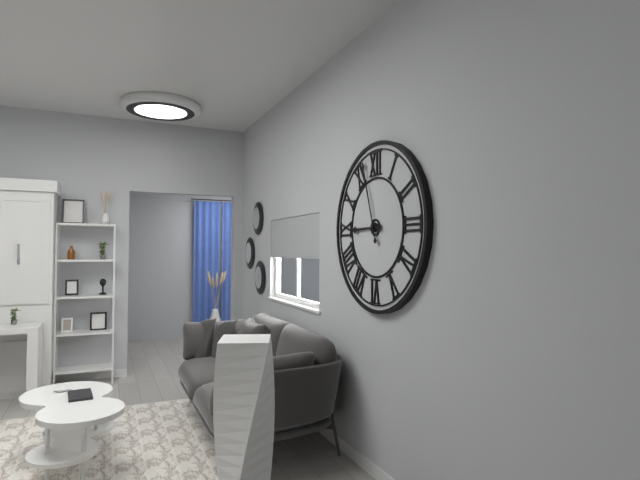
8:57
